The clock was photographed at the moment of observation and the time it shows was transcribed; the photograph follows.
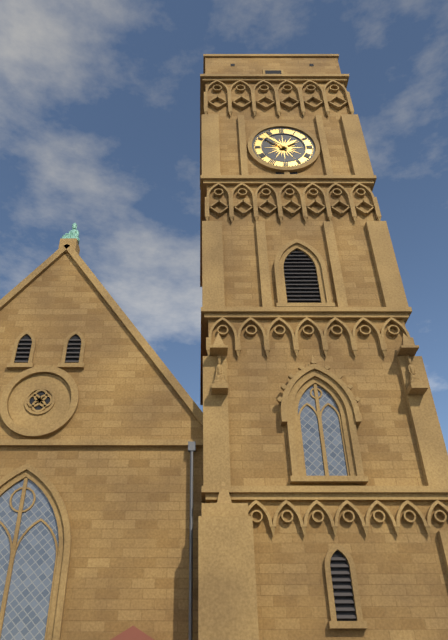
1:52
